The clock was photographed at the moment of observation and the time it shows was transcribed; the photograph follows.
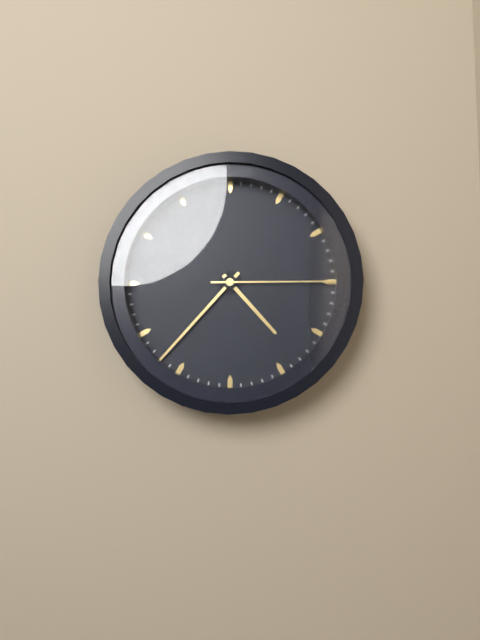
4:37:15
